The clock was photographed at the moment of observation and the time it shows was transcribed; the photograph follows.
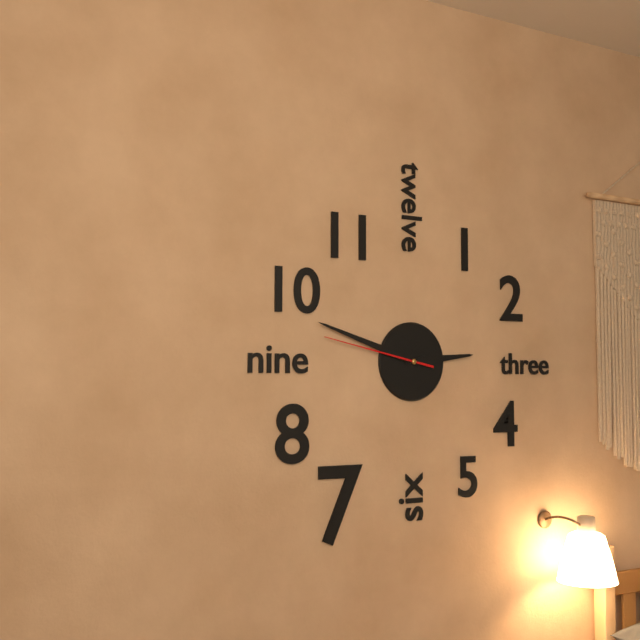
2:48:47
